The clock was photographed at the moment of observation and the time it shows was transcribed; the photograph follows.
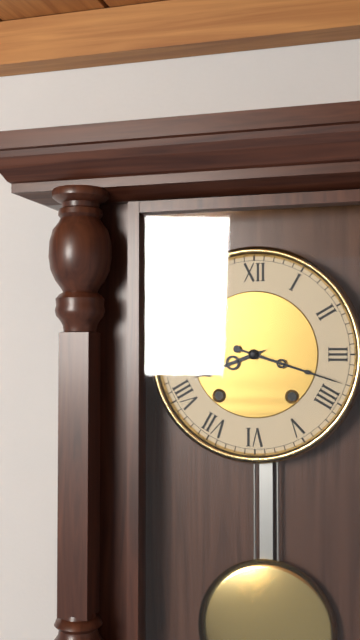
8:18
